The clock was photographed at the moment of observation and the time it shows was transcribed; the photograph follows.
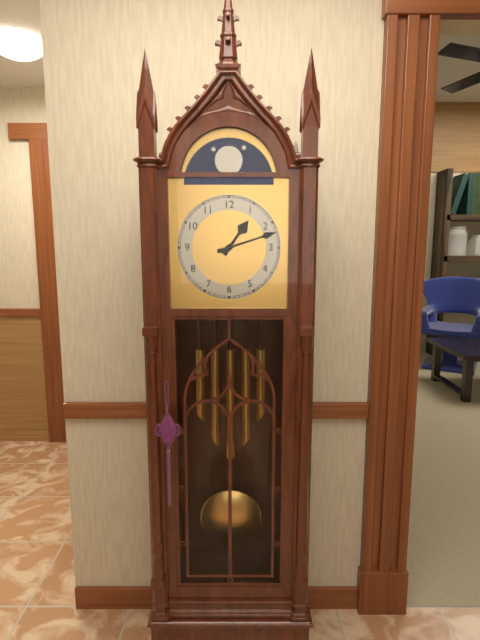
1:12
